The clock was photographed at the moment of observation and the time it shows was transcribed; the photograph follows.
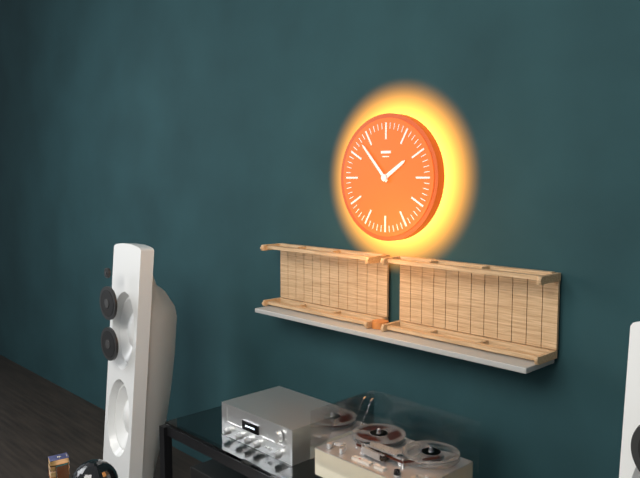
1:53
